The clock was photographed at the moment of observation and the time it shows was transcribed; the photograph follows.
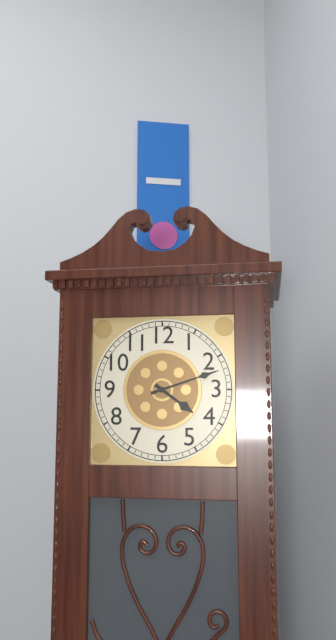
4:12
